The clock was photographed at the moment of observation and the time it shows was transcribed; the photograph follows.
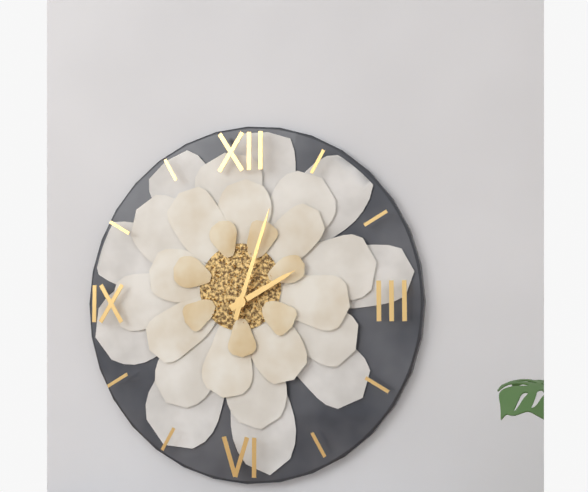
2:03
